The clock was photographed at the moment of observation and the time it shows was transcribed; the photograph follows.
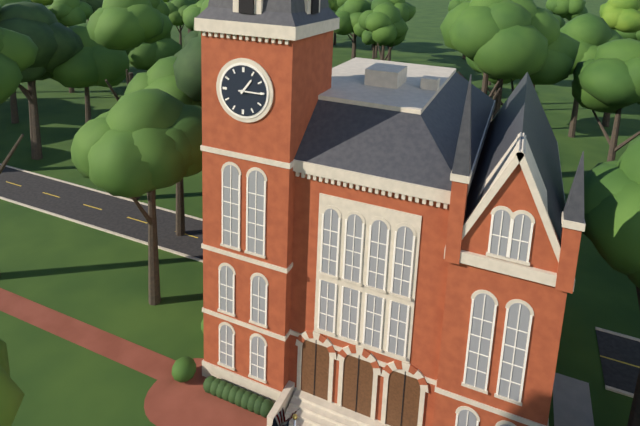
1:15
